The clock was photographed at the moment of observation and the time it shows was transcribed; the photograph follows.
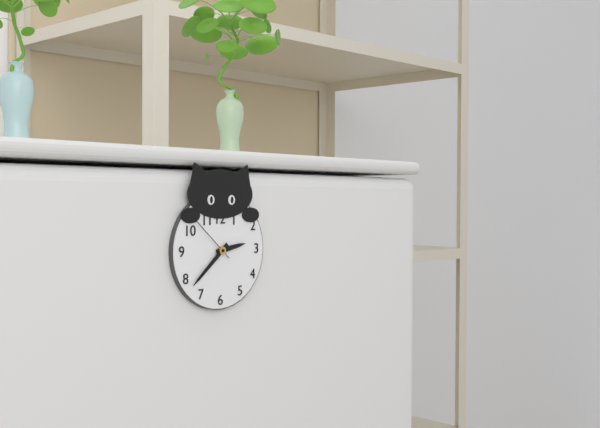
2:38
